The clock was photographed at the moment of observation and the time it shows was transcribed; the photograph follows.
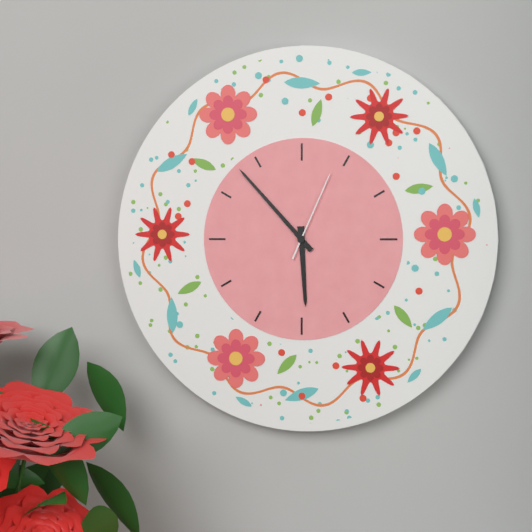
5:53:04
